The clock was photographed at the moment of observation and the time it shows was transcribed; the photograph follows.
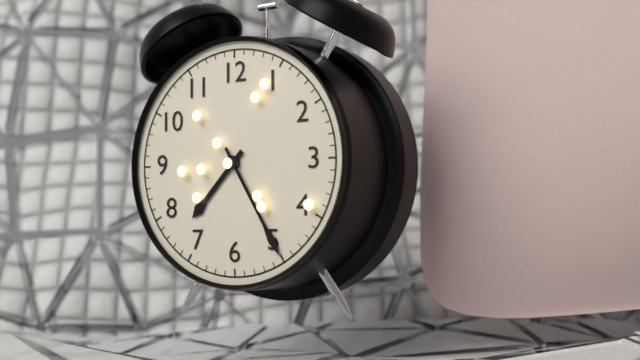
7:25
